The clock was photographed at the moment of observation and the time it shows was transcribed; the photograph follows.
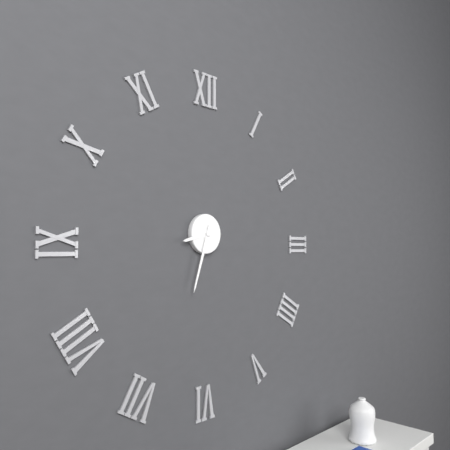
8:33
